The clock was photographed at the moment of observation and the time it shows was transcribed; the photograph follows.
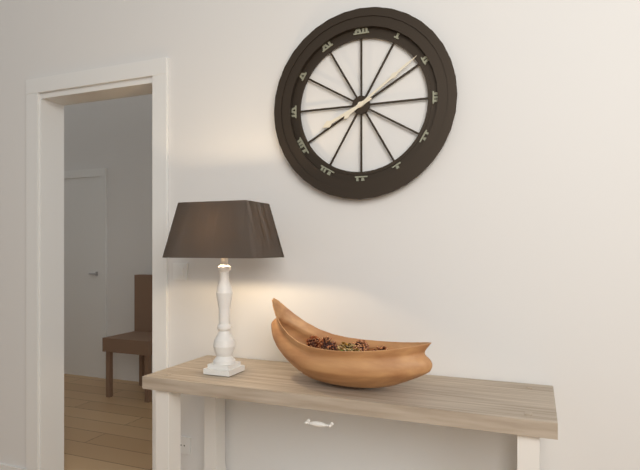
8:09
